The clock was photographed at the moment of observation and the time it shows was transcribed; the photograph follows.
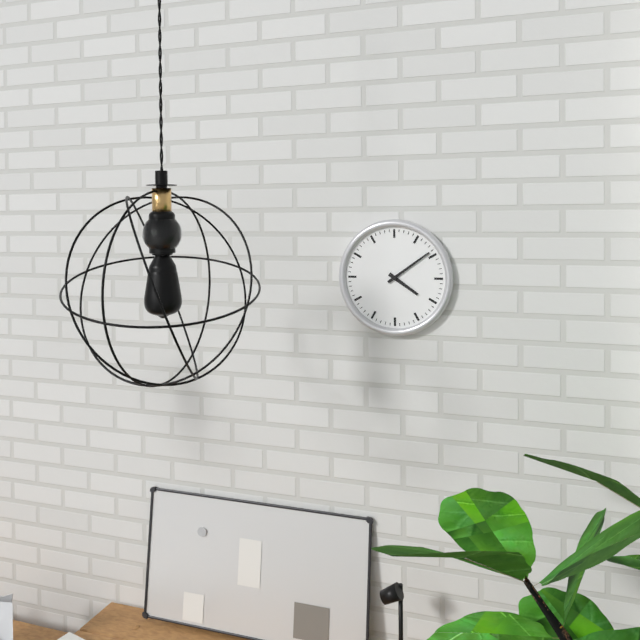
4:09
